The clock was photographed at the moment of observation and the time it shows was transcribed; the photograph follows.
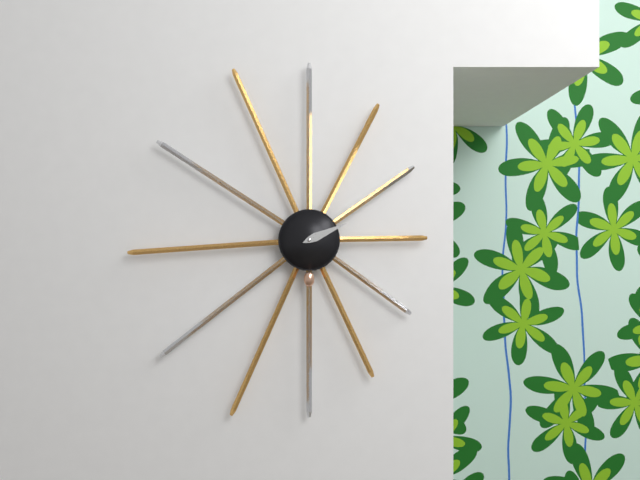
2:11
